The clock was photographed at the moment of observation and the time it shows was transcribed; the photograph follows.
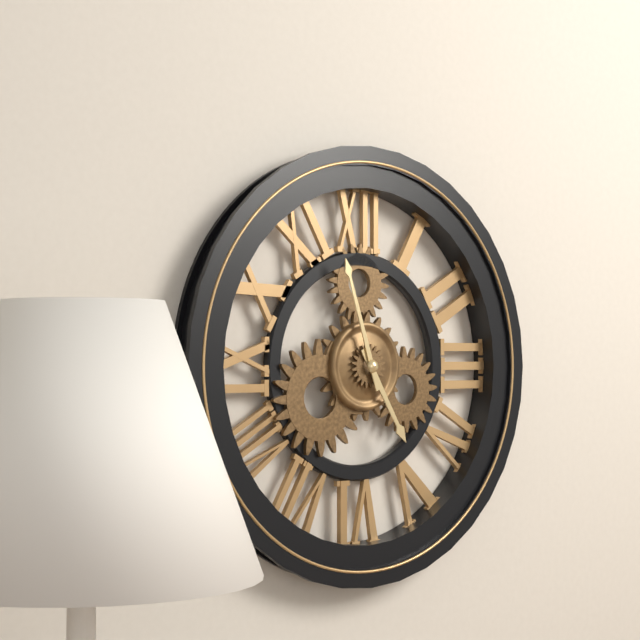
4:57
